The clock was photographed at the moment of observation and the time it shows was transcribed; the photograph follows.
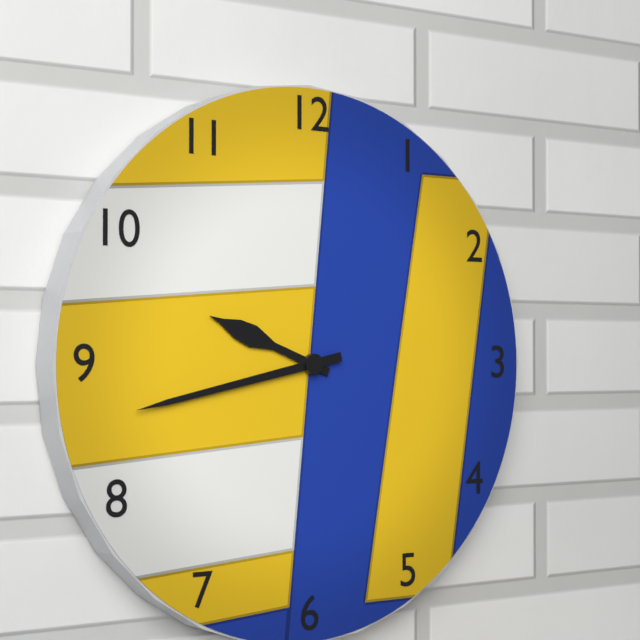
9:43
